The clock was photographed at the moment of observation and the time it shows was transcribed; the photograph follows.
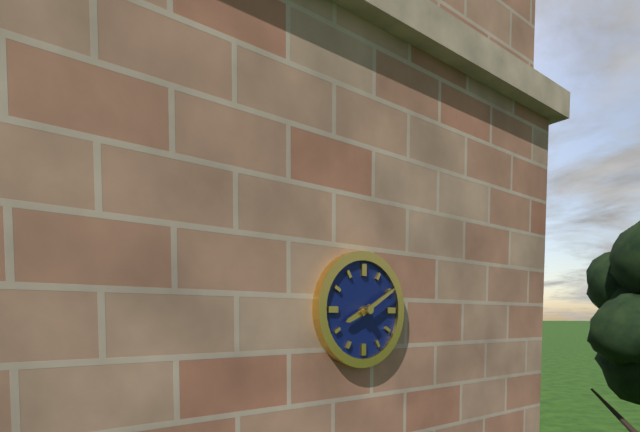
8:10
